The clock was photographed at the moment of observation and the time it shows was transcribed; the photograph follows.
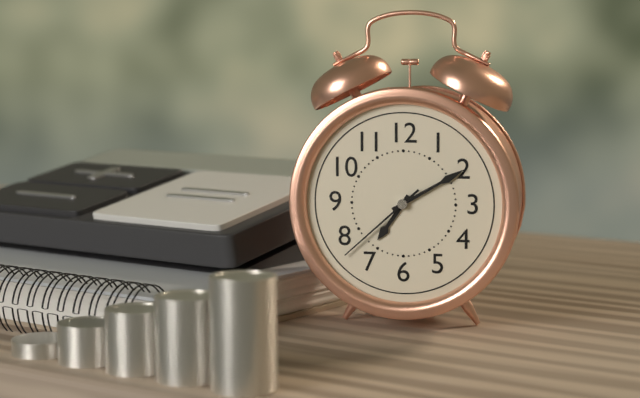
7:10:38
